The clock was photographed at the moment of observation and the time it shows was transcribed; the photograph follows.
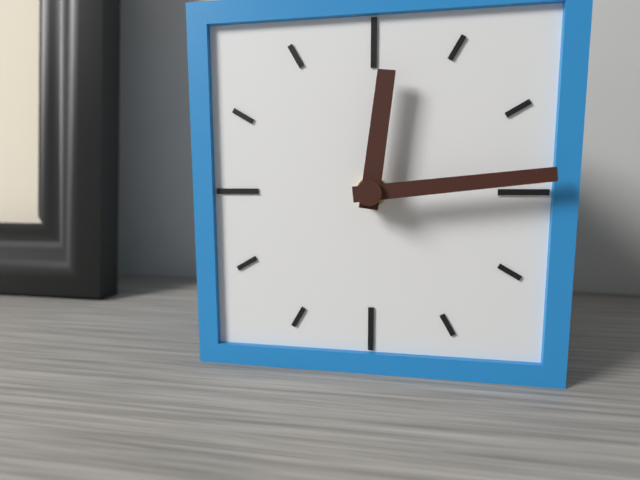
12:14
